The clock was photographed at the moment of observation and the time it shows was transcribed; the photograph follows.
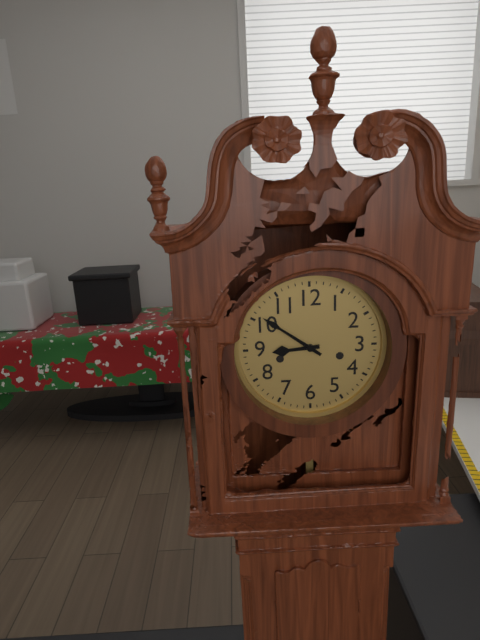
8:51
